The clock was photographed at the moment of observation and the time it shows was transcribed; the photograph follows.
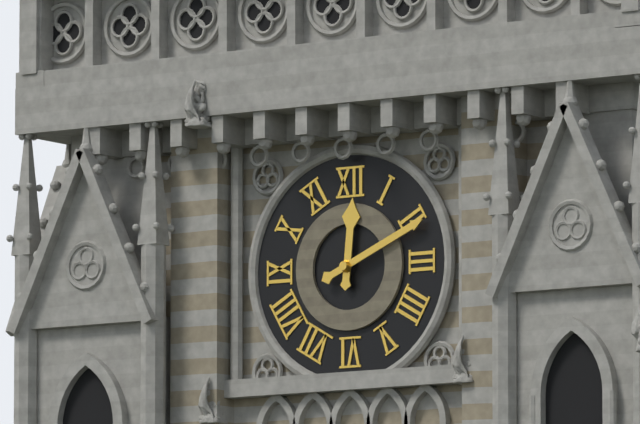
12:11
